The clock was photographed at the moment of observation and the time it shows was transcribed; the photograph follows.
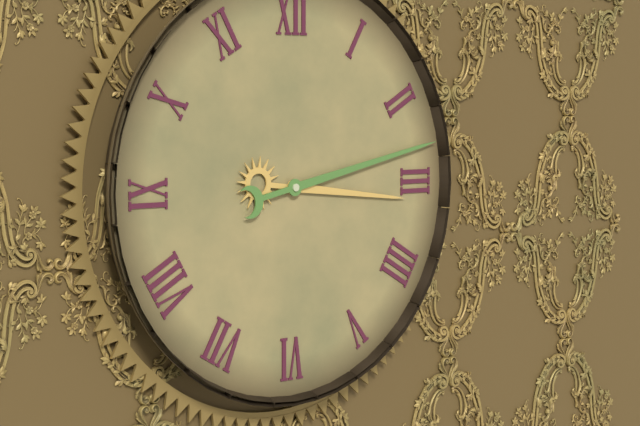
3:13
